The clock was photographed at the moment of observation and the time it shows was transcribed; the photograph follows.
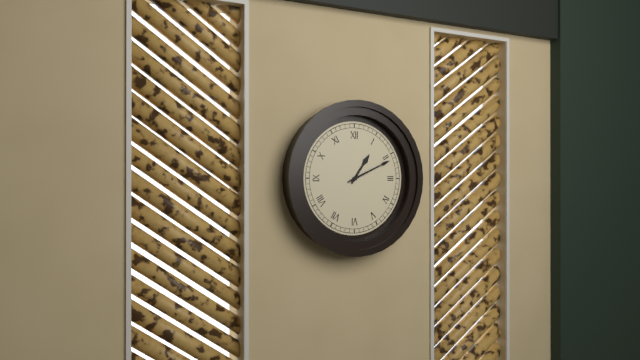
1:11
